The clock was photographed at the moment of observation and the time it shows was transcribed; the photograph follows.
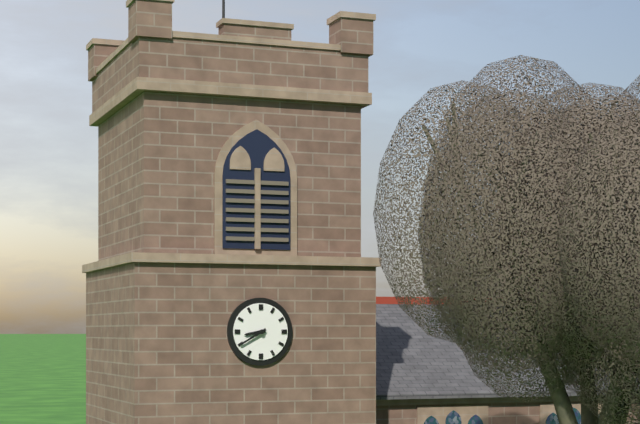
8:40
